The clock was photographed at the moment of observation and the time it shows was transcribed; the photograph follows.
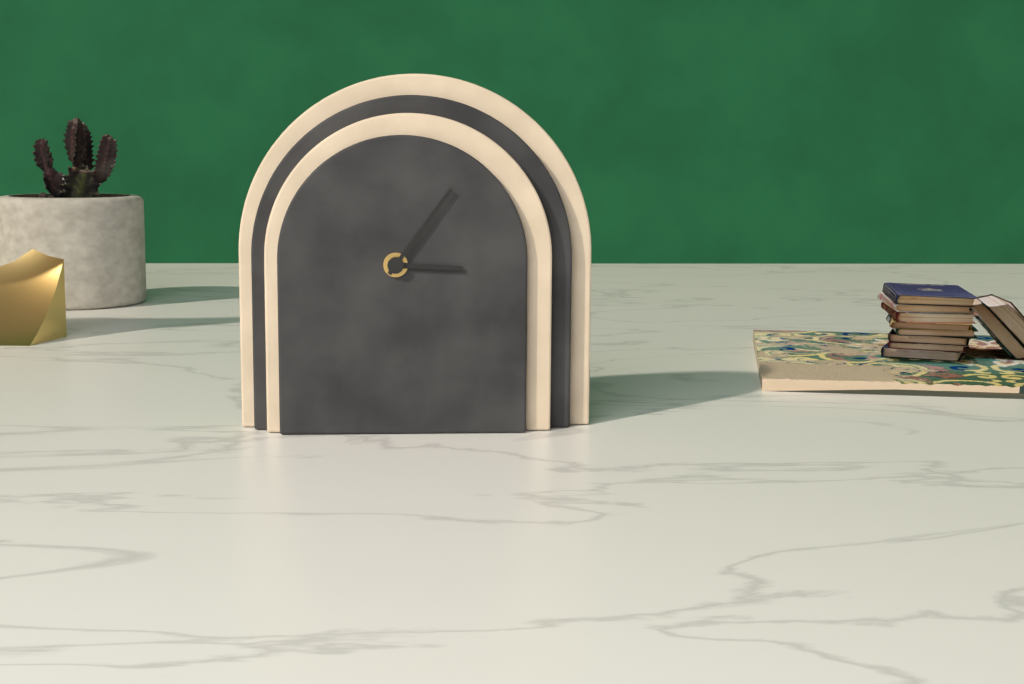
3:06
